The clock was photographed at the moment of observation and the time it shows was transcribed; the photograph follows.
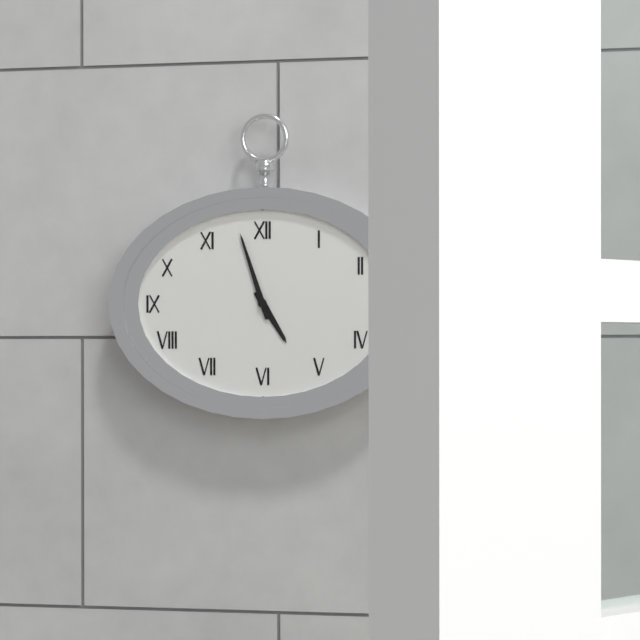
4:57
